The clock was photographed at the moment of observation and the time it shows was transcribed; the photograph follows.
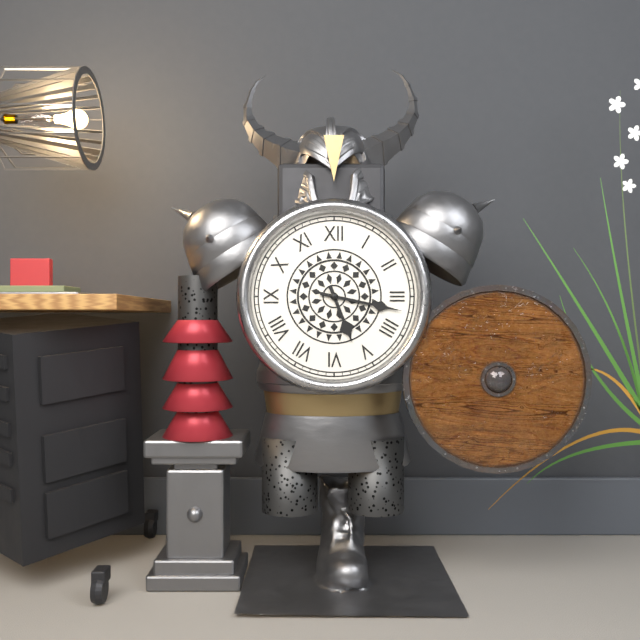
5:17
